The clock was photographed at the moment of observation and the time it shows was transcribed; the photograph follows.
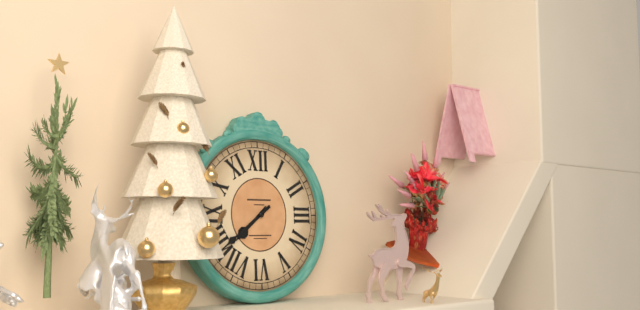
7:39
